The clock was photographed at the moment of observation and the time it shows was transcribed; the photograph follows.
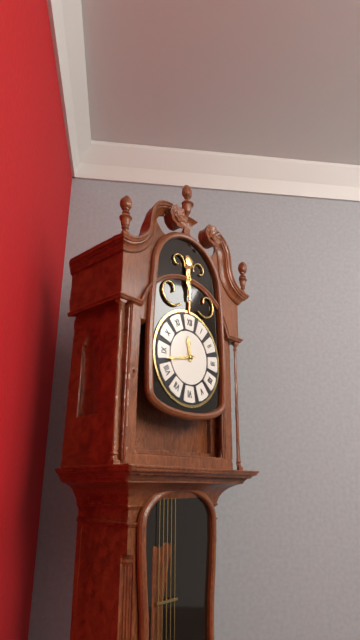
11:43
